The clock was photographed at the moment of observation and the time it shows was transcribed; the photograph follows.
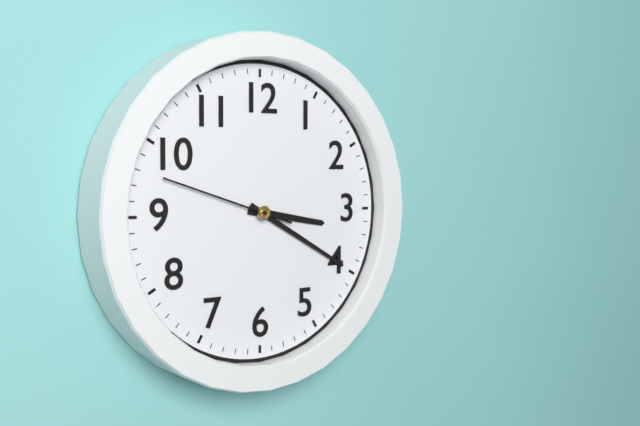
3:20:48
